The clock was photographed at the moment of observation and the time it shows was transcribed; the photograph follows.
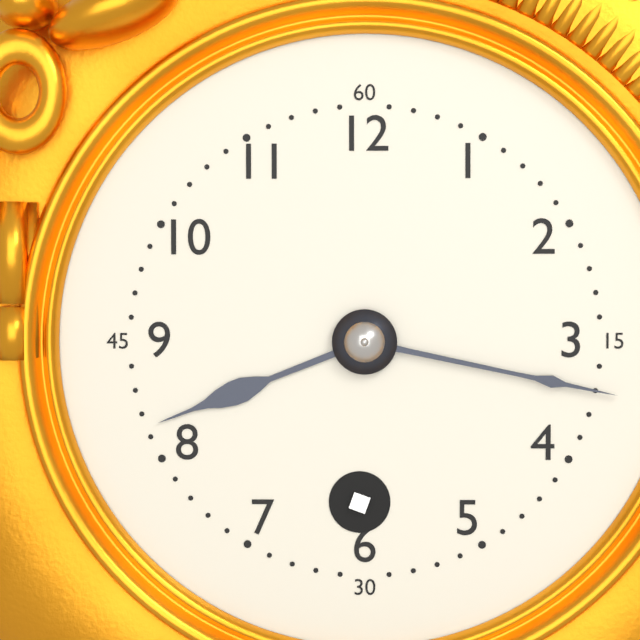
8:17
